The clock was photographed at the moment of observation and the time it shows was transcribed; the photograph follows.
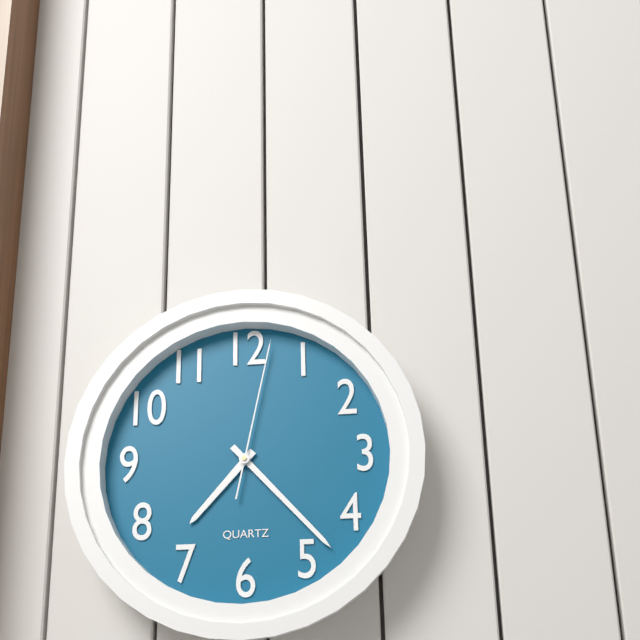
7:23:02
